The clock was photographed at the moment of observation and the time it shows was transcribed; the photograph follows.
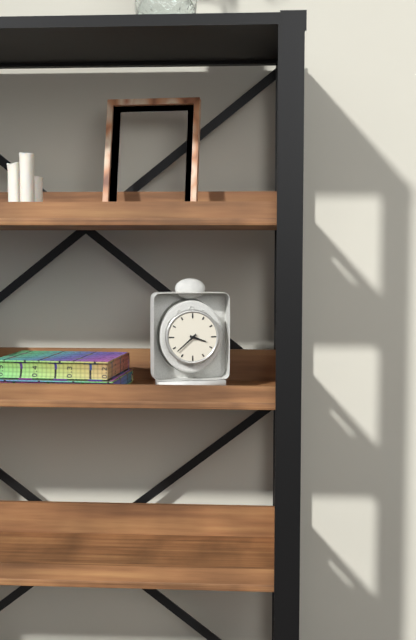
3:38
